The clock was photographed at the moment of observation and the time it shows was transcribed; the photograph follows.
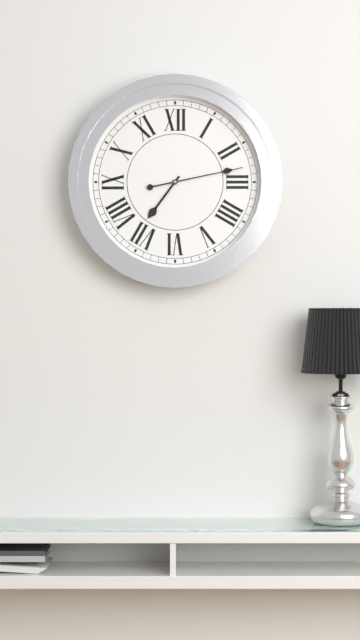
7:13
